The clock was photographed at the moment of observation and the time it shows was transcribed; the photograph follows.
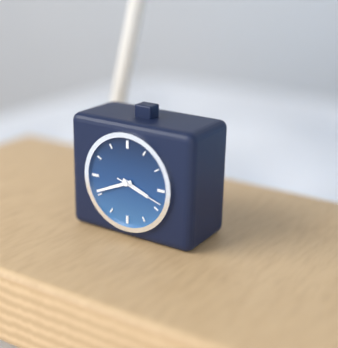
3:41:18
